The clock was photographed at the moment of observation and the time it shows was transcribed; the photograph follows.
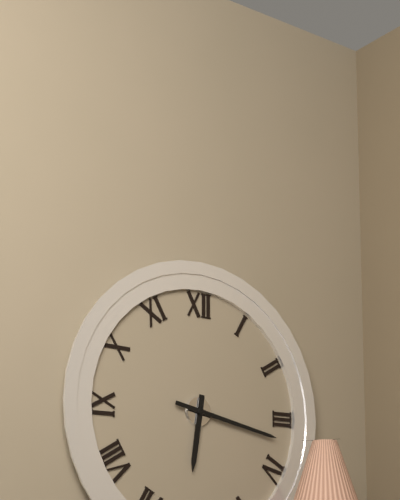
6:17
